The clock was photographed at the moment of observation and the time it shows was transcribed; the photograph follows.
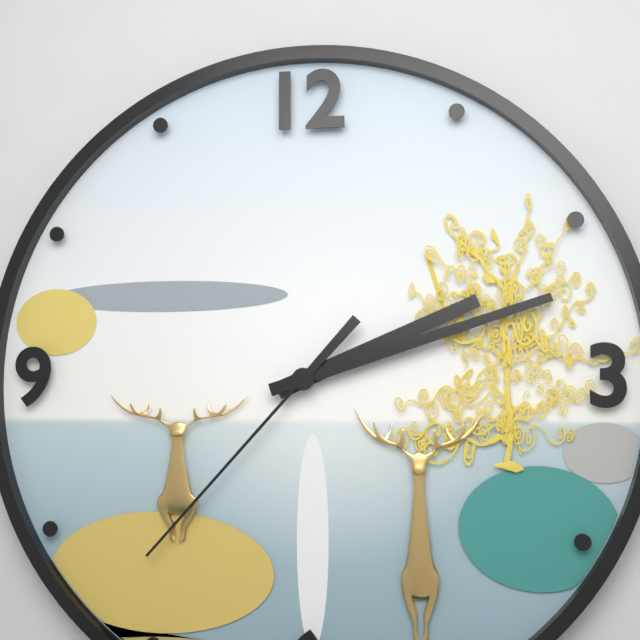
2:12:37
